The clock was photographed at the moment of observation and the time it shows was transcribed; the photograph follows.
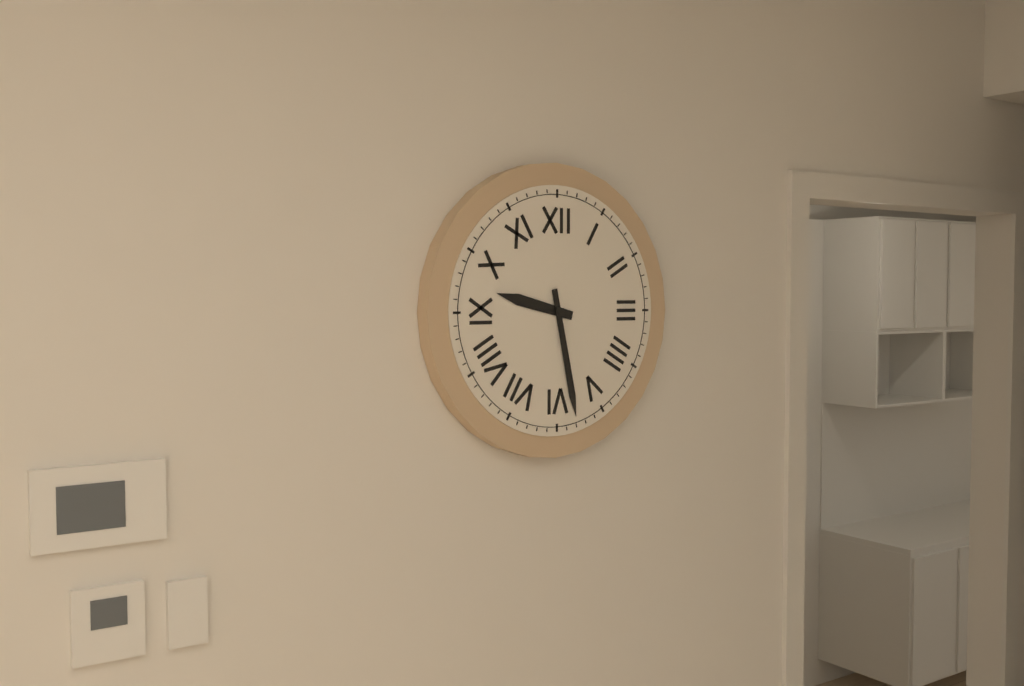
9:28
